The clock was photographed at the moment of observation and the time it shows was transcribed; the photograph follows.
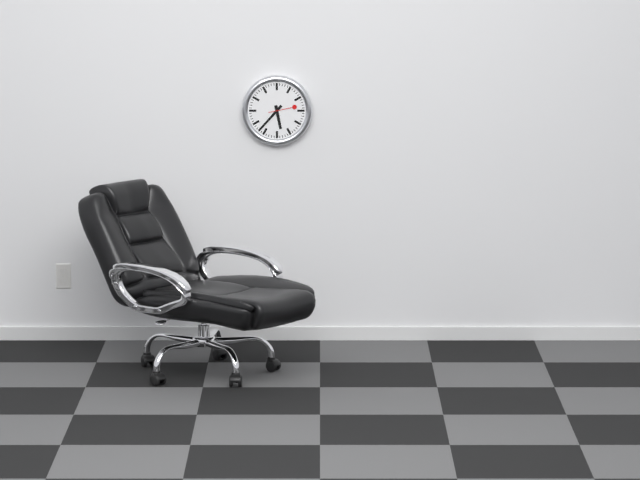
5:37
